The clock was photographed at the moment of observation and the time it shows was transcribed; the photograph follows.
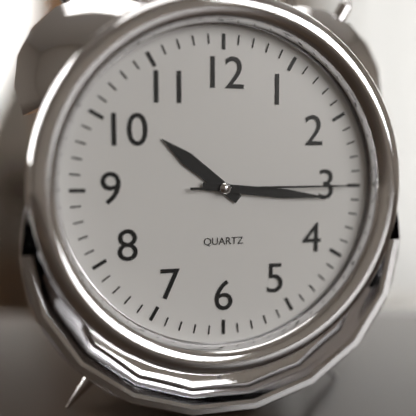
10:16:15
